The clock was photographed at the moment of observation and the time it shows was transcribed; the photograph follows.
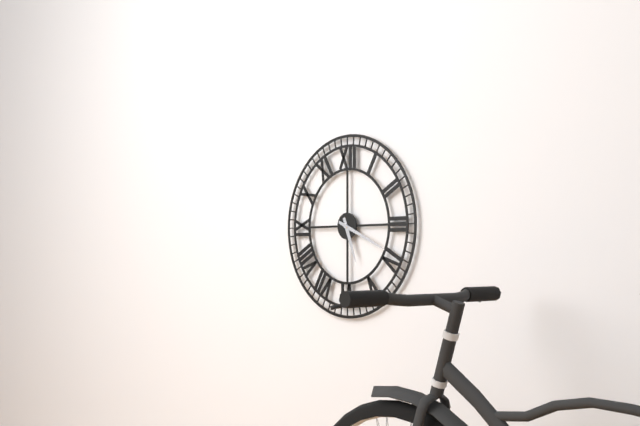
5:19
